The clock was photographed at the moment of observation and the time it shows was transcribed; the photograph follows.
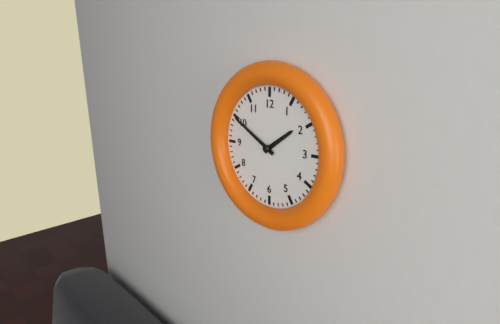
1:50
